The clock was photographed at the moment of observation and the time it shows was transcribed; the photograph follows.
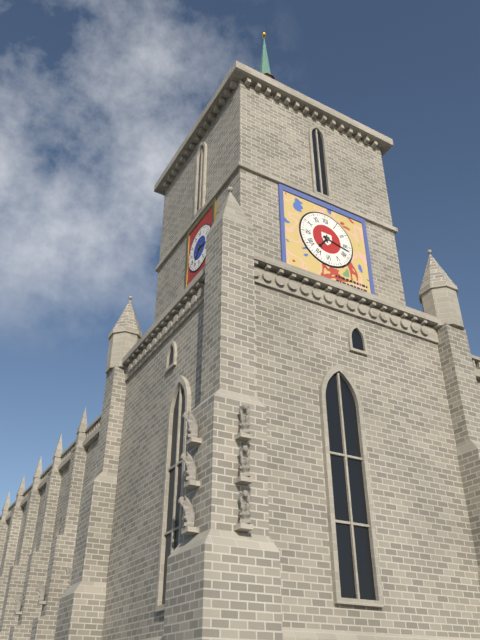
7:17
